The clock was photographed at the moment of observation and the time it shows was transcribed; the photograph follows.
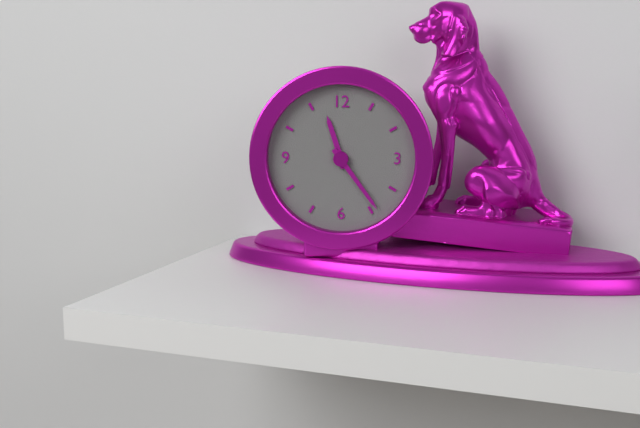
11:24
